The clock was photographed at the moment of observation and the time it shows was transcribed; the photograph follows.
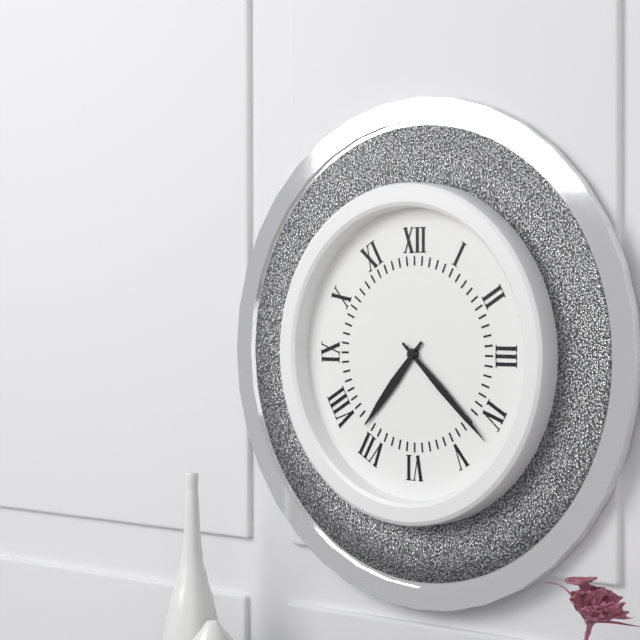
7:22
